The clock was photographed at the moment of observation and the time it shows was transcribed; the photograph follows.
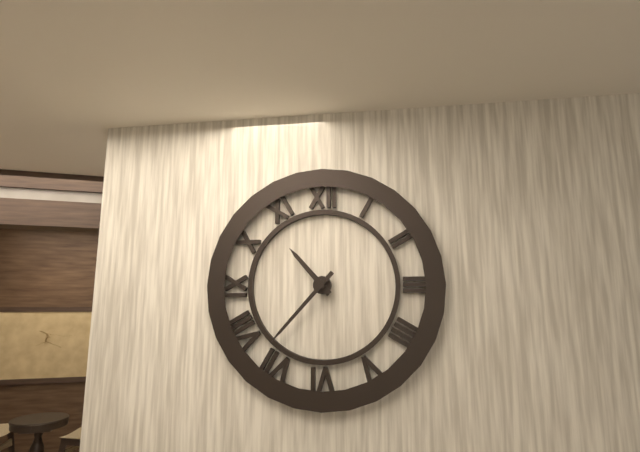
10:37
